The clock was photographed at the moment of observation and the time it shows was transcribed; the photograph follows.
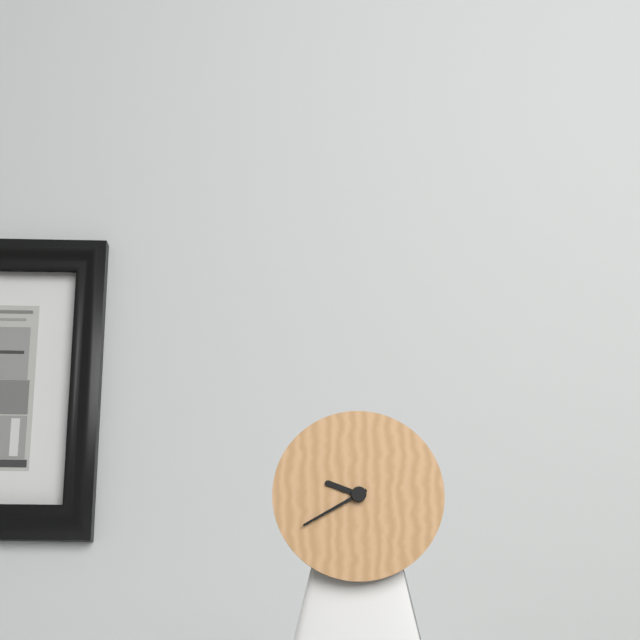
9:40
